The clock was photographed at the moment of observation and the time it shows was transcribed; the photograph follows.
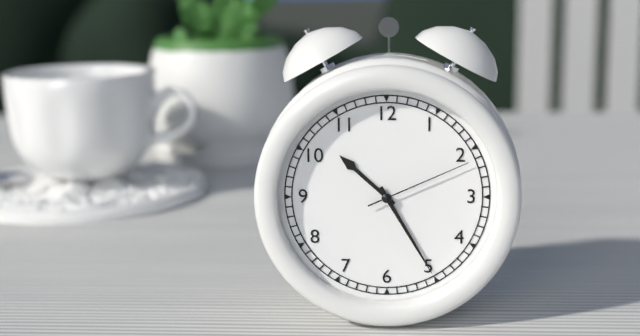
10:25:11
